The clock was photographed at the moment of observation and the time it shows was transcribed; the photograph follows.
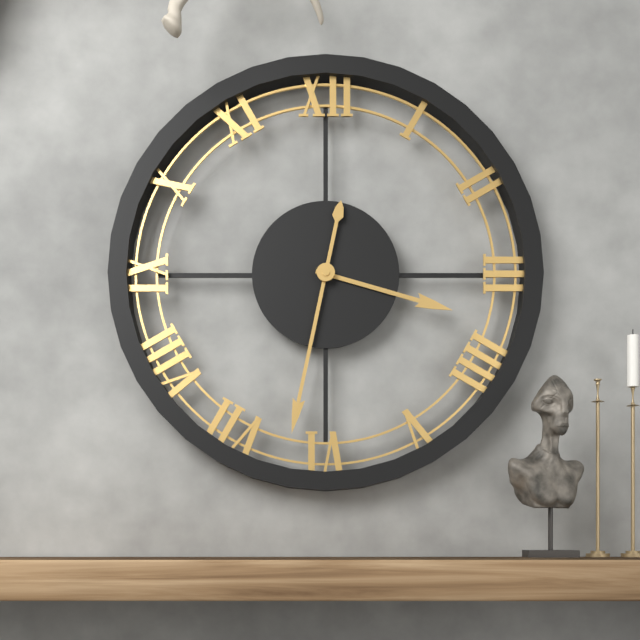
3:32
